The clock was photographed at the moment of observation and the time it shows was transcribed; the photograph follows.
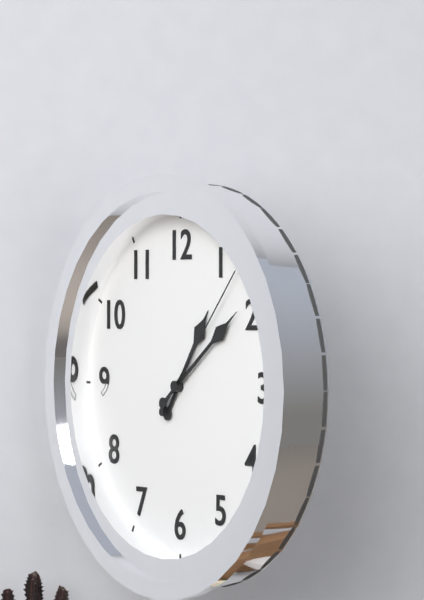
1:09:07
